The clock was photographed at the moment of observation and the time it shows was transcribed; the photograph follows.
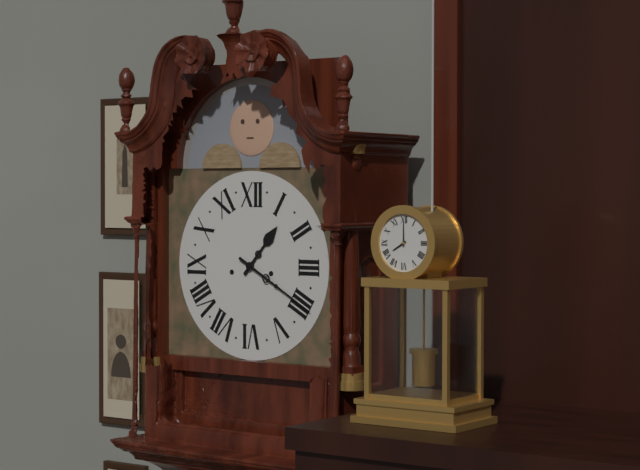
1:20
